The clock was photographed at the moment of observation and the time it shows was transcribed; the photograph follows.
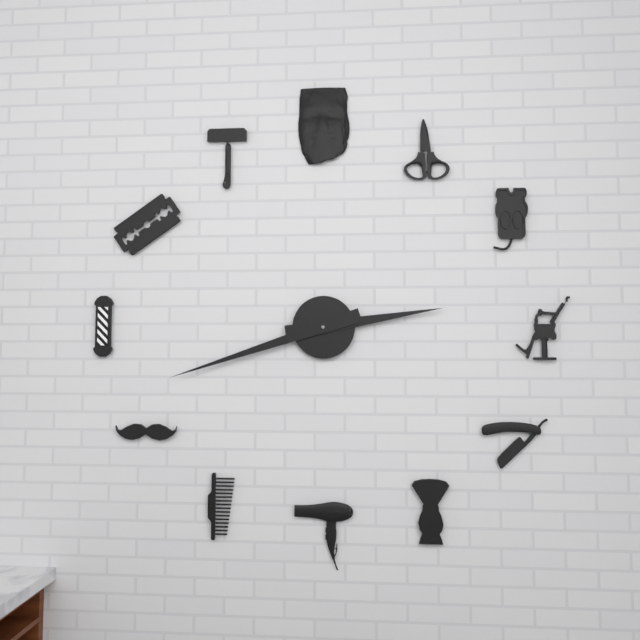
2:42
